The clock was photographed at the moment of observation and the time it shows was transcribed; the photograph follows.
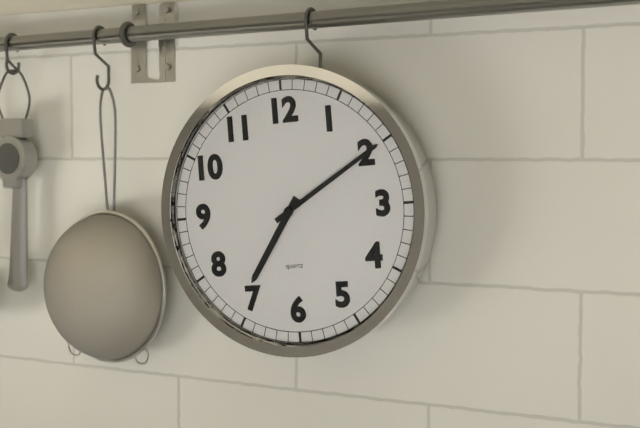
7:10
